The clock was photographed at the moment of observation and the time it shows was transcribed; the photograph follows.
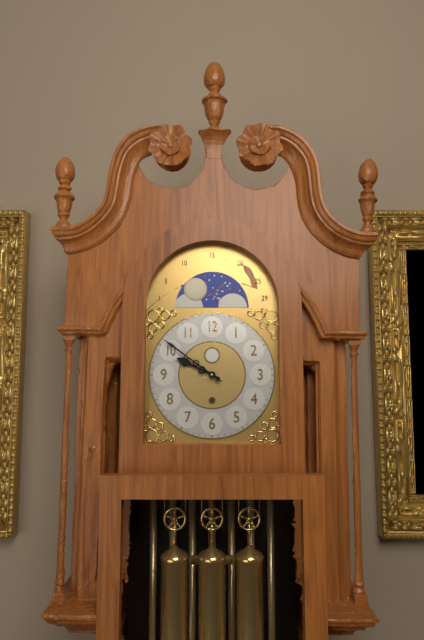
9:51
